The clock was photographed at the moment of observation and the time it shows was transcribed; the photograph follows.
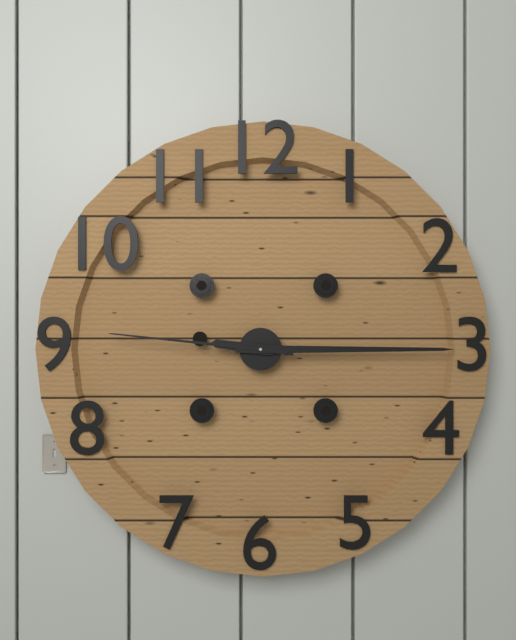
9:15:46
